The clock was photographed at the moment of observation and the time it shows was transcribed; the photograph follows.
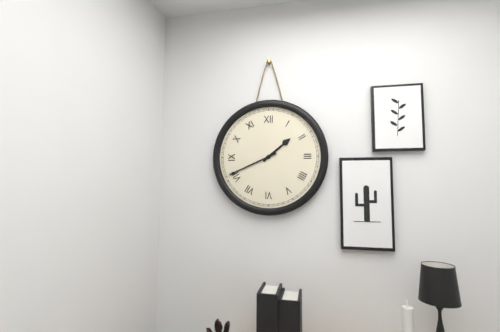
1:41
